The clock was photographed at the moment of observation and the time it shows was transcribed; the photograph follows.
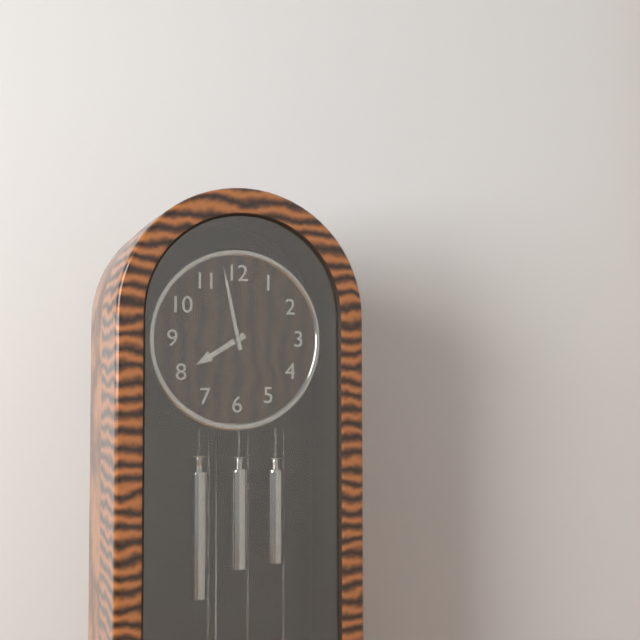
7:58
